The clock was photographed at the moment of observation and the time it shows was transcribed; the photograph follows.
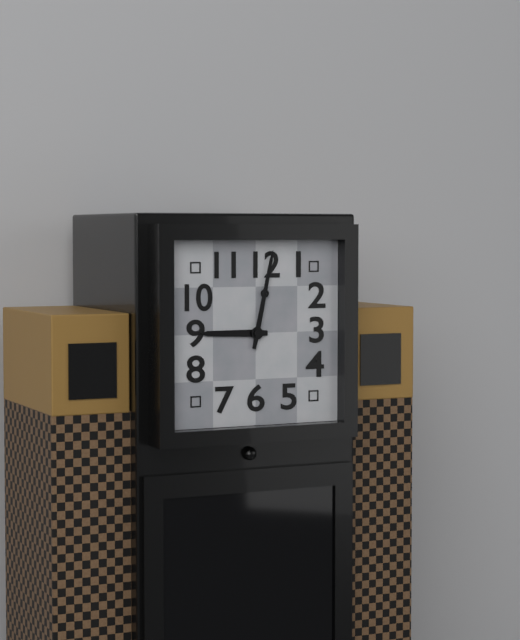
9:02
